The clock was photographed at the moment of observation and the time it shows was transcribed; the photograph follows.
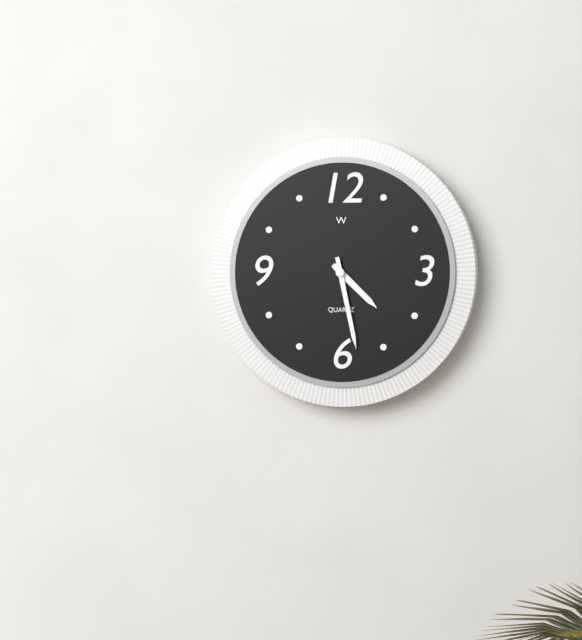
4:28
